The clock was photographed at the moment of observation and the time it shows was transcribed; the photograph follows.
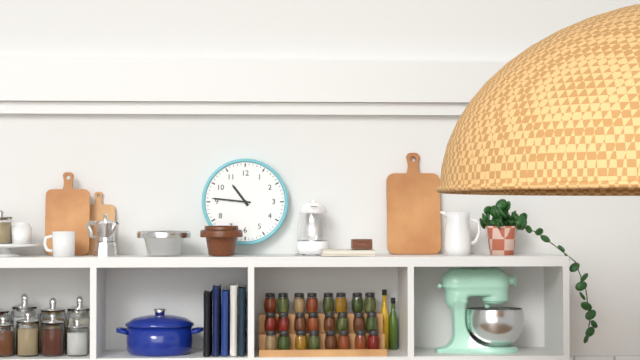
10:46
